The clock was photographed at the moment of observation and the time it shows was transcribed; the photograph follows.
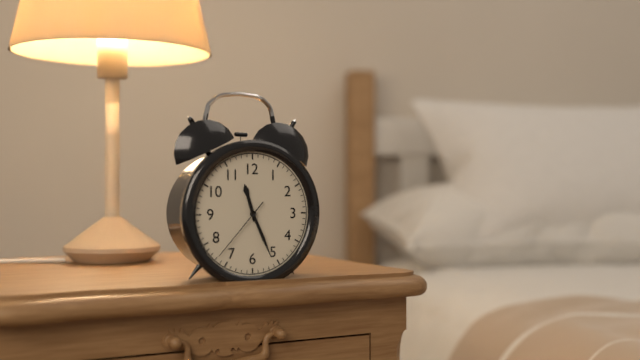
11:26:37
